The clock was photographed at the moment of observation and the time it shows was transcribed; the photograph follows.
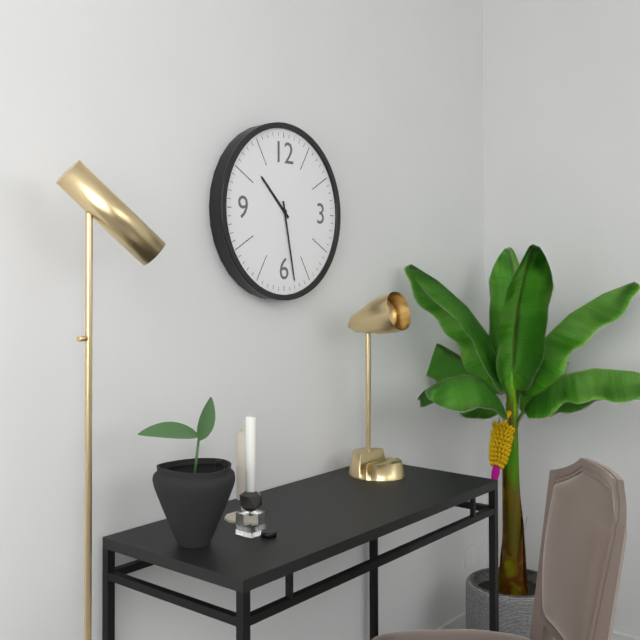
10:28
